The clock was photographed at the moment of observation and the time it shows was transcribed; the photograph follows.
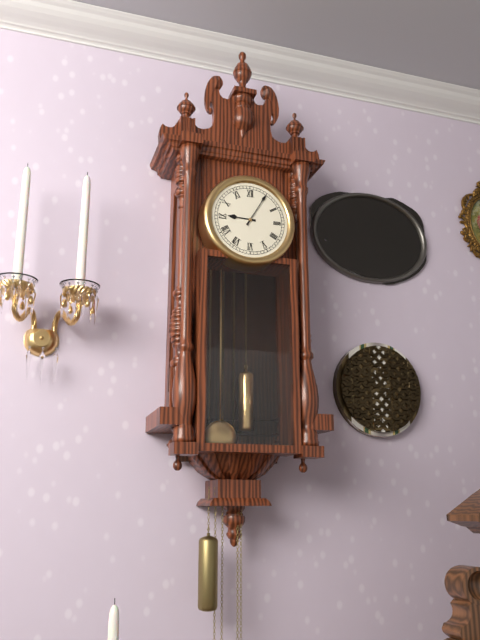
9:05
